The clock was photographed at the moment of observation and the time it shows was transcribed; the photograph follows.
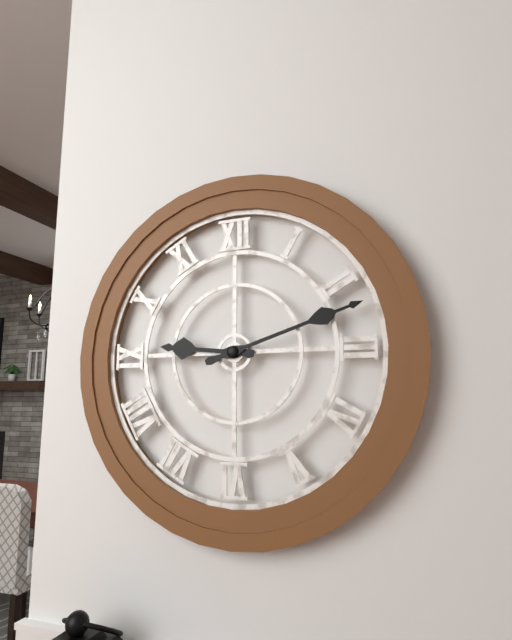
9:12
